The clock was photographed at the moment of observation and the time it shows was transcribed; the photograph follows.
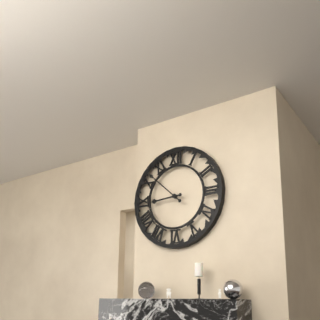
8:52
